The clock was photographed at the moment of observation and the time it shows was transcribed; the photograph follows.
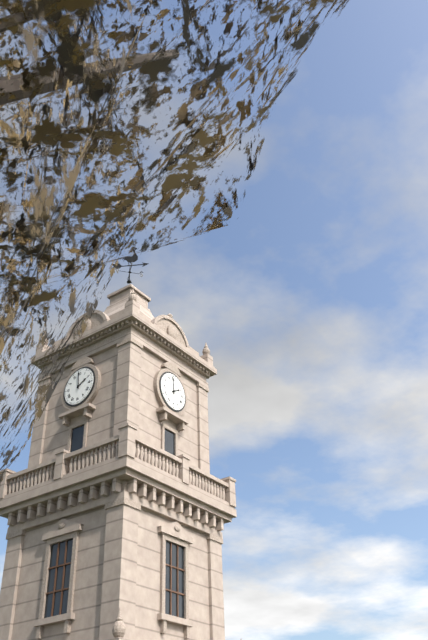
1:59
